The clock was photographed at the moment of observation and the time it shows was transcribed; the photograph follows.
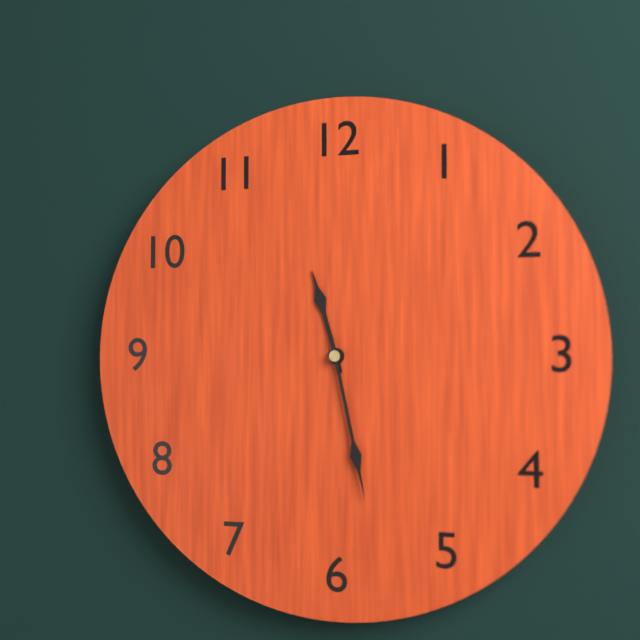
11:28
